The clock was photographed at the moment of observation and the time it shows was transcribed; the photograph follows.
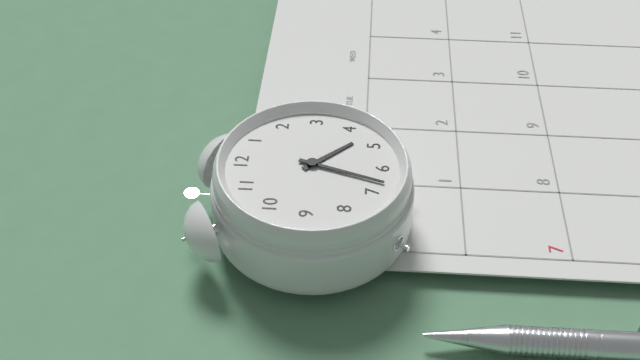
4:33
